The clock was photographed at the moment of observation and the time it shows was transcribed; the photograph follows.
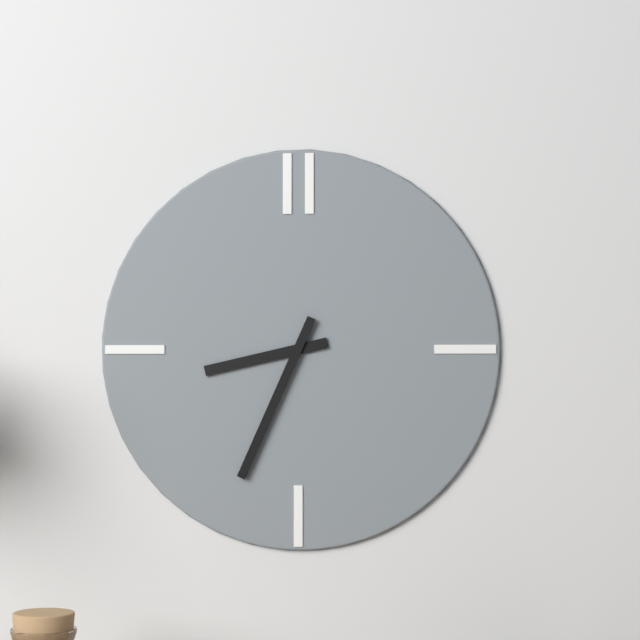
8:34
